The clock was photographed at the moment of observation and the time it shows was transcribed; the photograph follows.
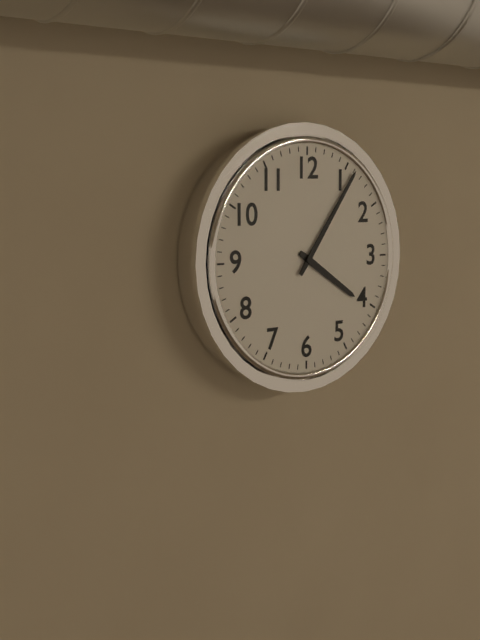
4:06
